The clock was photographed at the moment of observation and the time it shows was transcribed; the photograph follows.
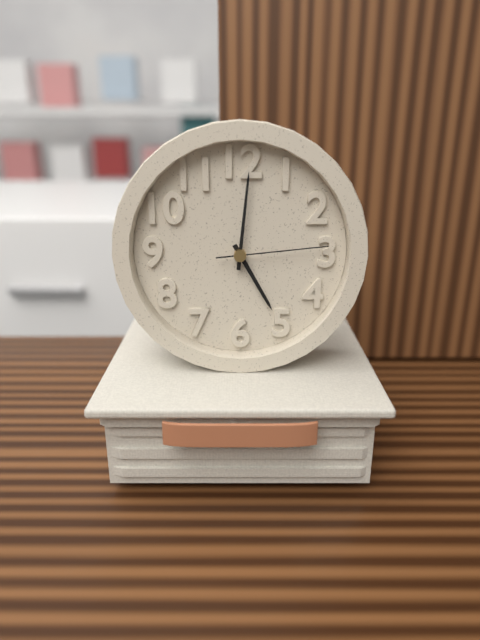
5:01:14
